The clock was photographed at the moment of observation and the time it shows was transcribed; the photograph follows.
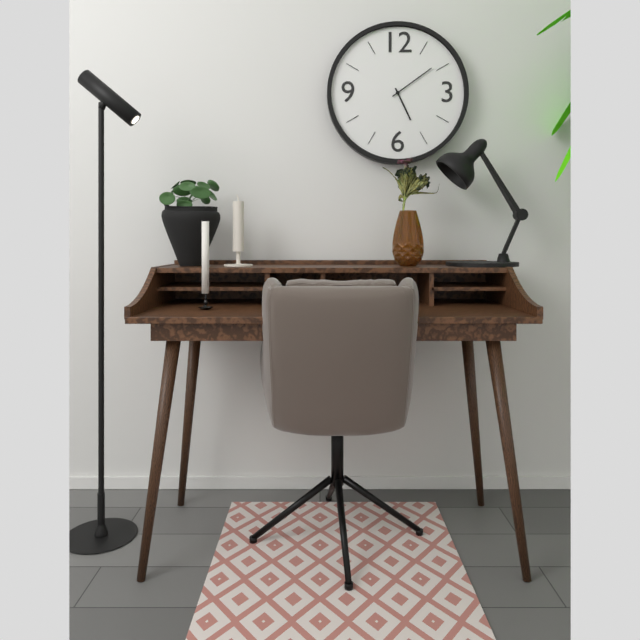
5:09
